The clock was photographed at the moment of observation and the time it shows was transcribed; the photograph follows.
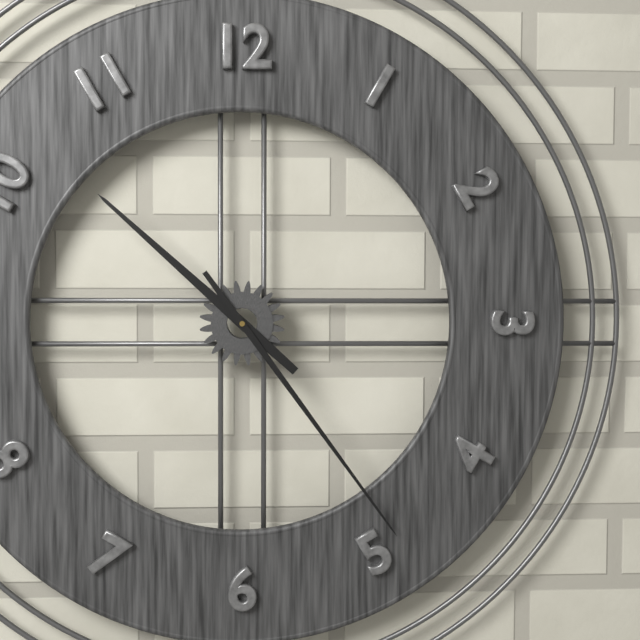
10:24
